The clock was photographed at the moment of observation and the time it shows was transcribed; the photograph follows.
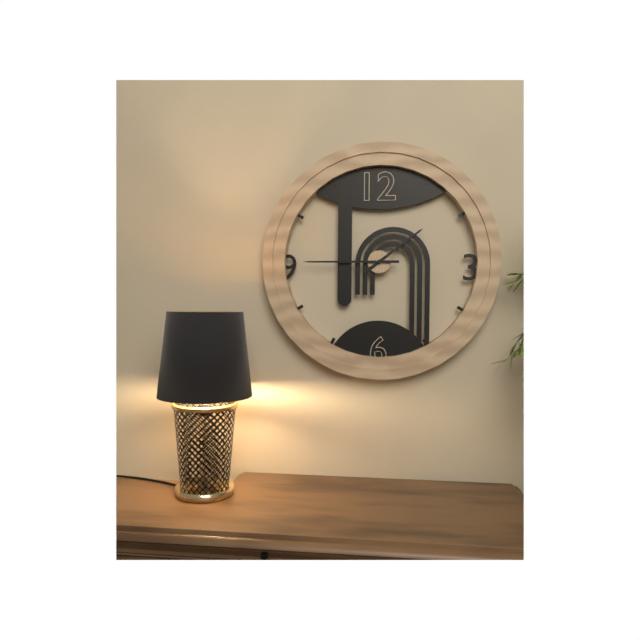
1:45
